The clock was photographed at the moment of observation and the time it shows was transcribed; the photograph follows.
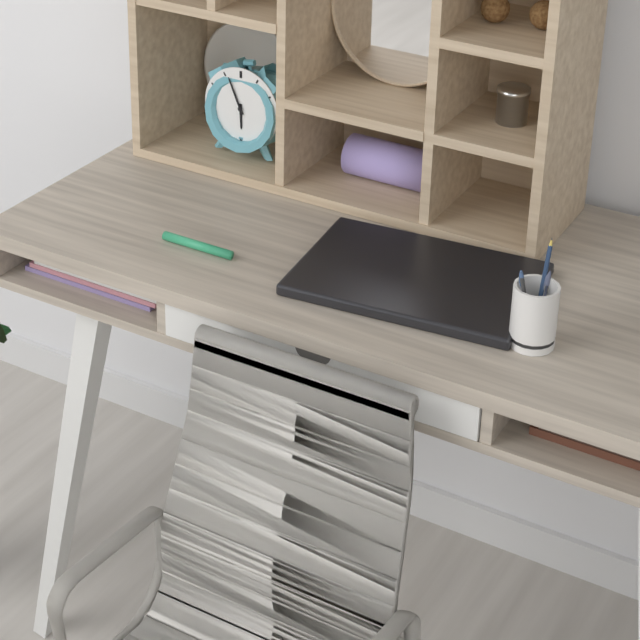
5:56
